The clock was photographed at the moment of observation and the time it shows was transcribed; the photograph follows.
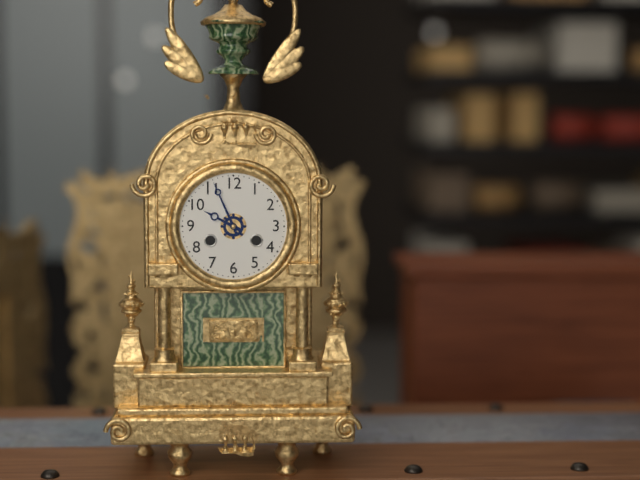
9:56
